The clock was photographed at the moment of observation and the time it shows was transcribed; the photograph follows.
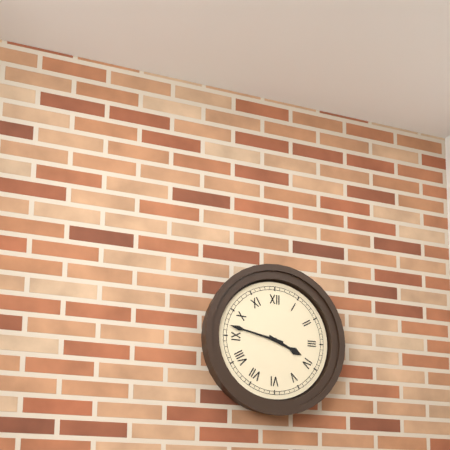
3:47
